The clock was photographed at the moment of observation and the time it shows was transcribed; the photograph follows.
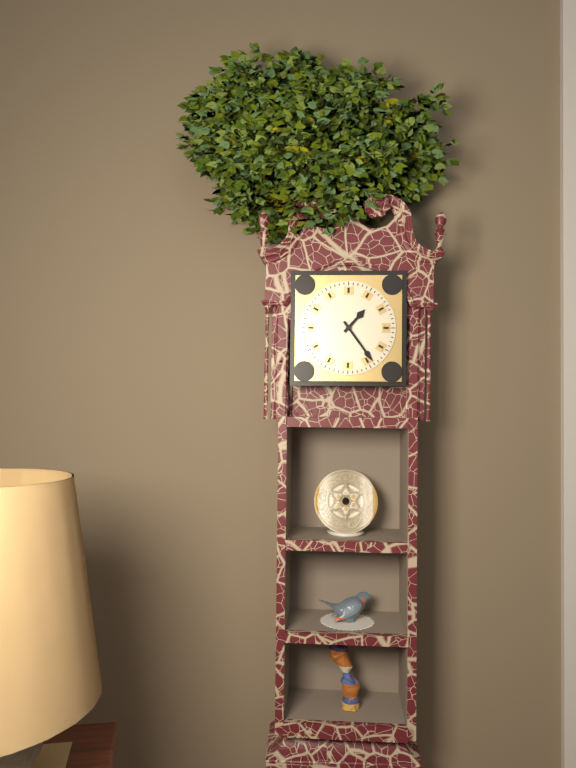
1:24
